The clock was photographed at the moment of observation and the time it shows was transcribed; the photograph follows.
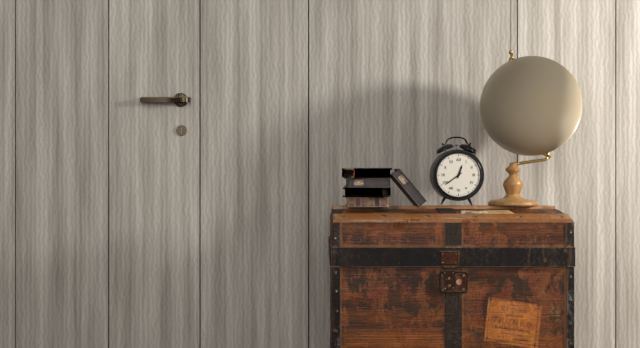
12:39
